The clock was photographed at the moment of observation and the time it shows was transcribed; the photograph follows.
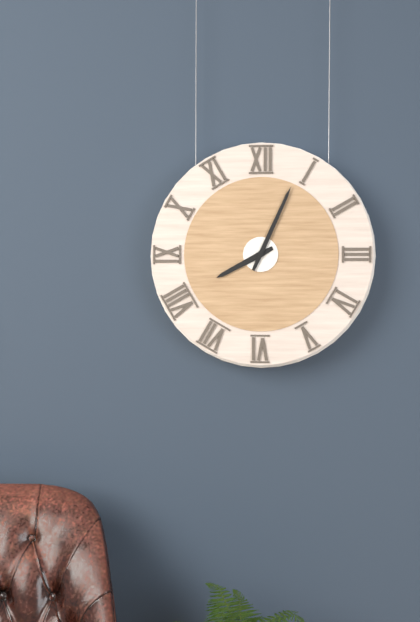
8:04
